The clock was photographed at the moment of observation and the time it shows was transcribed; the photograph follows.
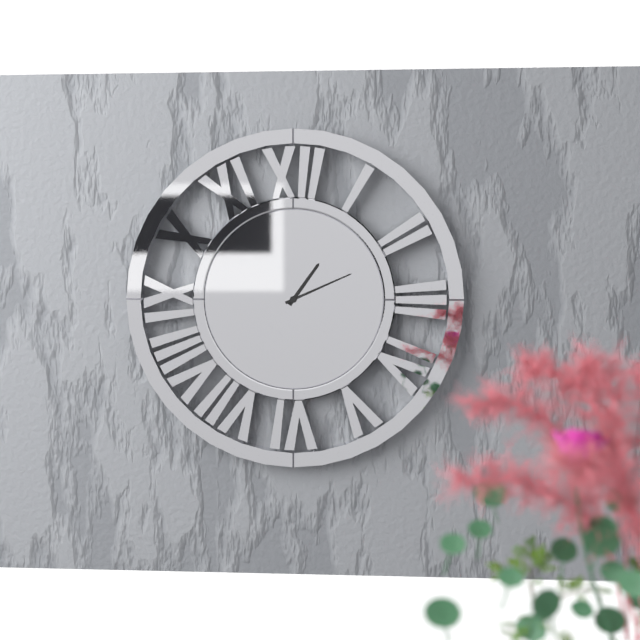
1:11
